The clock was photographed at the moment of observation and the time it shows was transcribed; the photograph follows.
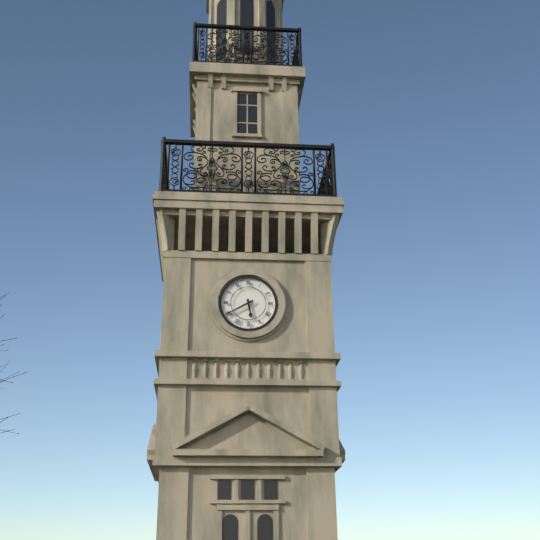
5:40
